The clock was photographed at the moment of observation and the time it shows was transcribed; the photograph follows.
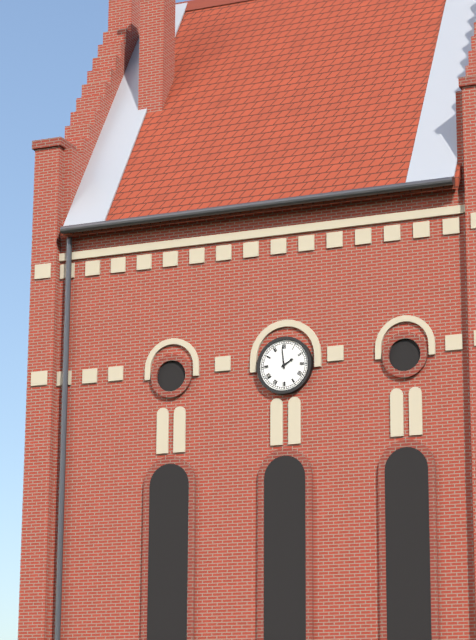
1:59
